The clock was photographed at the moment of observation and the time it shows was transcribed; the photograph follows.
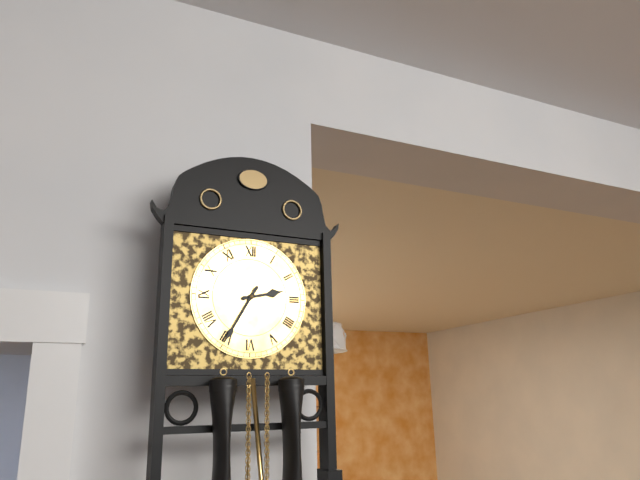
2:35
